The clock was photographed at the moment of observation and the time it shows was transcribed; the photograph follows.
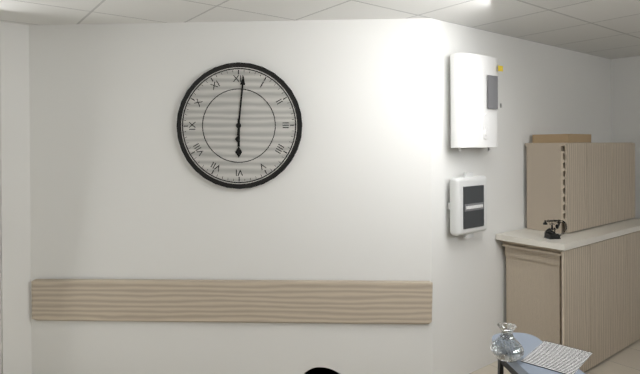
6:01
